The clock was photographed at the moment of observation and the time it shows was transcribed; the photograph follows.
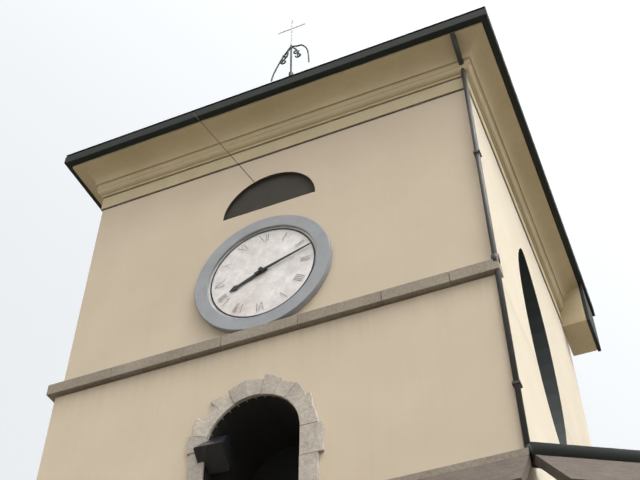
8:12
